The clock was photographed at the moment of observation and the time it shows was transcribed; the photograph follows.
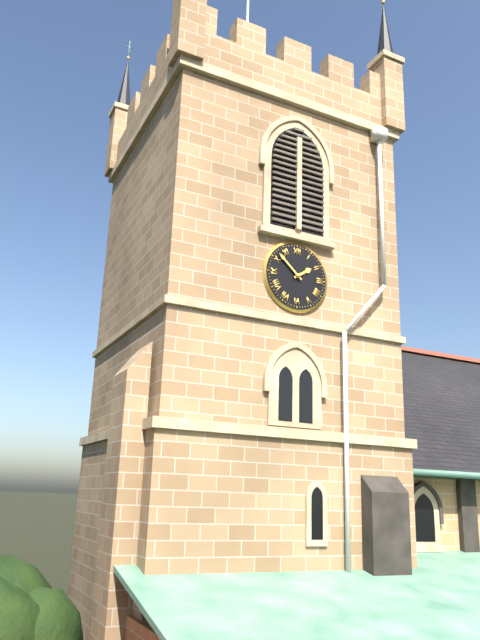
1:52
